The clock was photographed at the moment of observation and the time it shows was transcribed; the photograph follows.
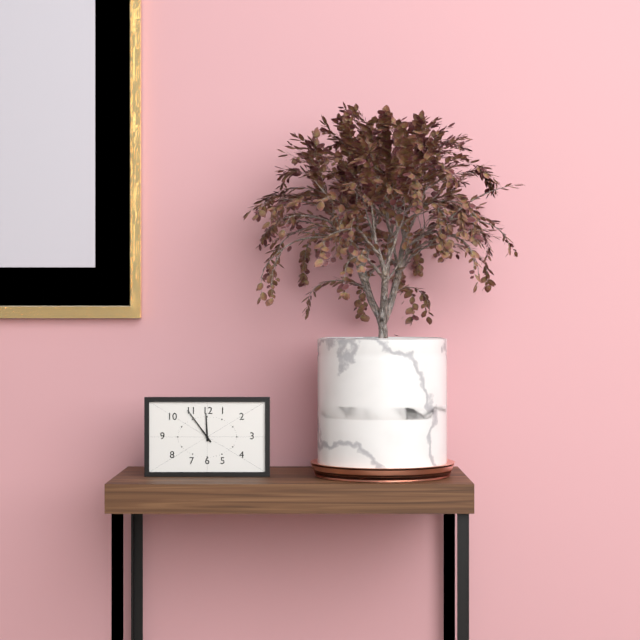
11:54
